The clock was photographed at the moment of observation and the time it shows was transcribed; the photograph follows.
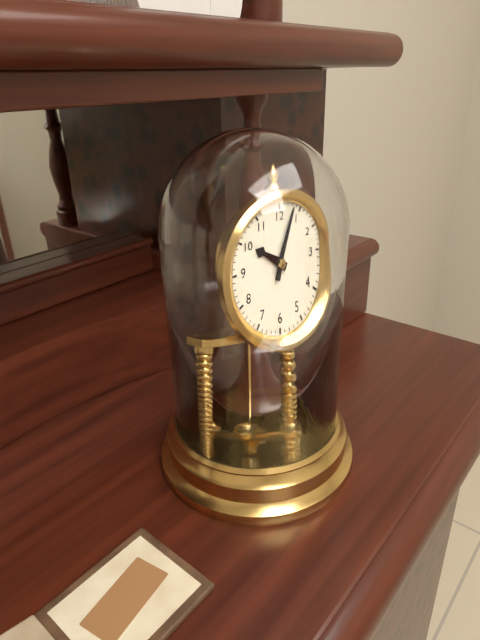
10:03
